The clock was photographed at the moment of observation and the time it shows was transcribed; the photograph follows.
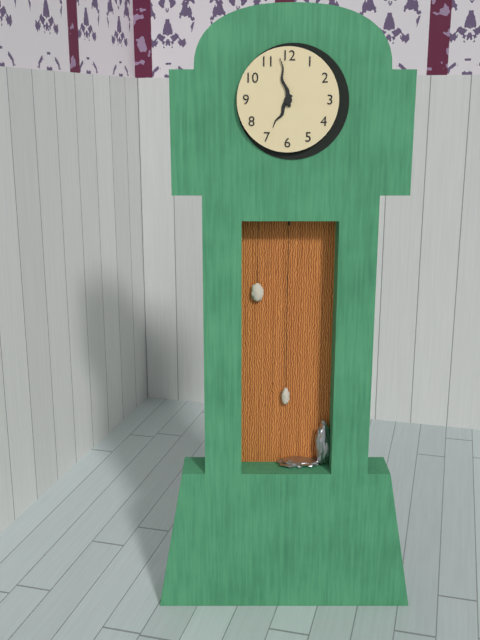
6:58
